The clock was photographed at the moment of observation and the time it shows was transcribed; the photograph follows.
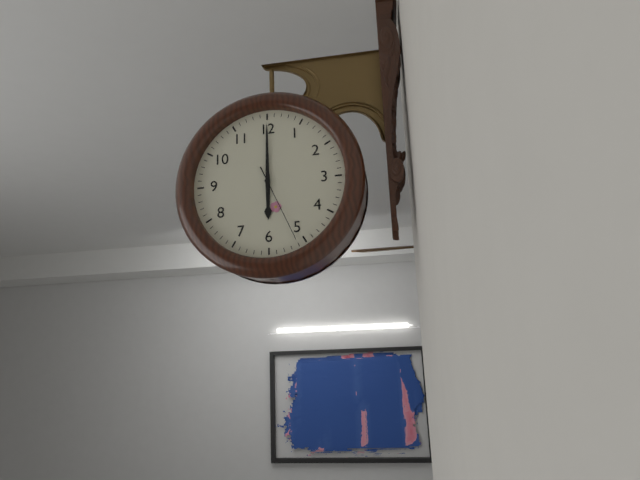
6:00:26
